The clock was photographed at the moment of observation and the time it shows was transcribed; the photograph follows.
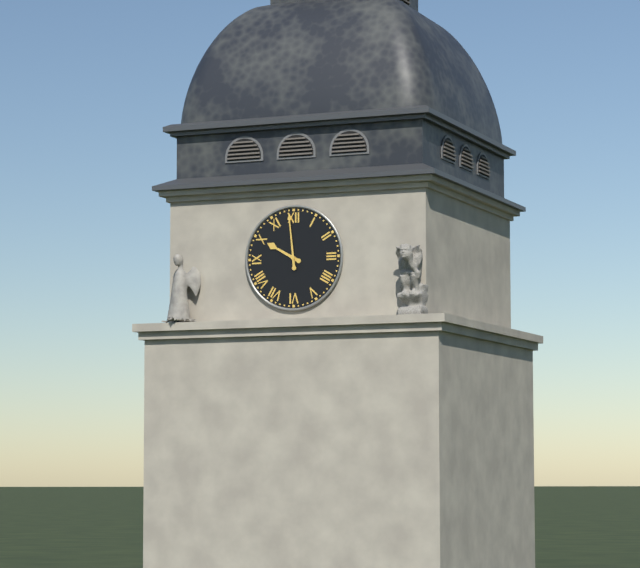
9:59
